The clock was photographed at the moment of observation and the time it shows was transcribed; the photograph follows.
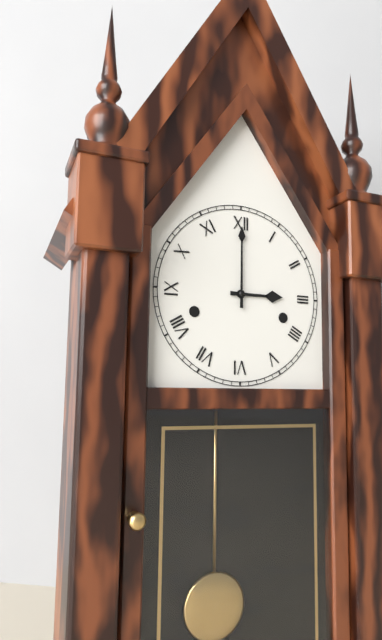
3:00
